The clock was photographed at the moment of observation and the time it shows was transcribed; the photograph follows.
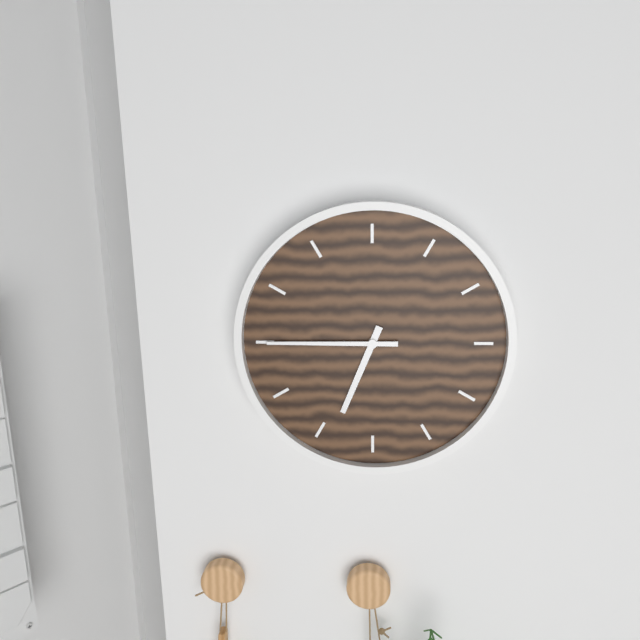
6:45
